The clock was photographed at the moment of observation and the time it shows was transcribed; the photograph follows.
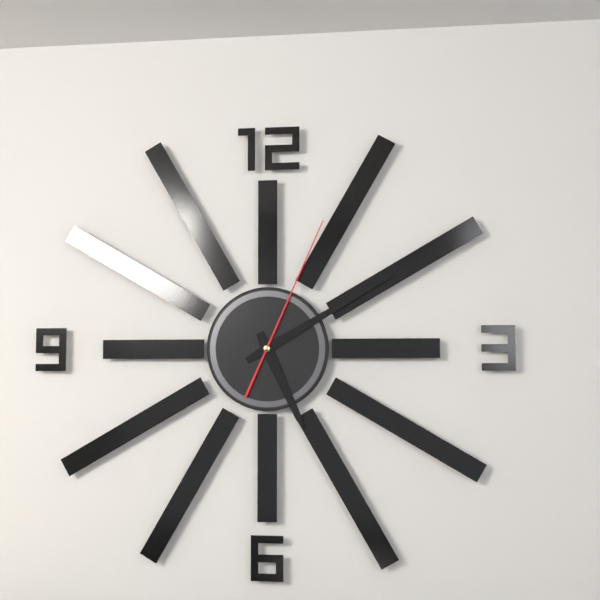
5:10:04
